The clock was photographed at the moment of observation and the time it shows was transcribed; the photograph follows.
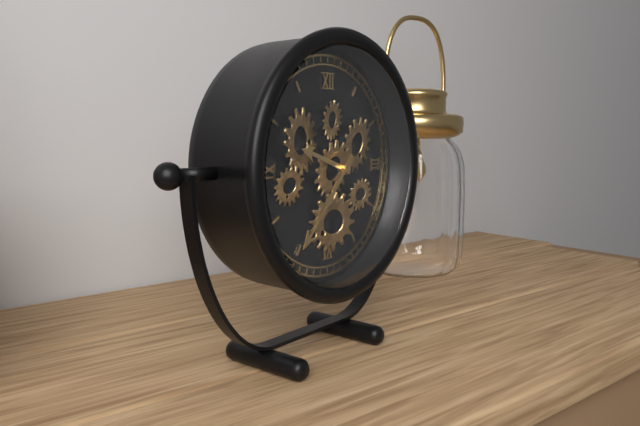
9:37
